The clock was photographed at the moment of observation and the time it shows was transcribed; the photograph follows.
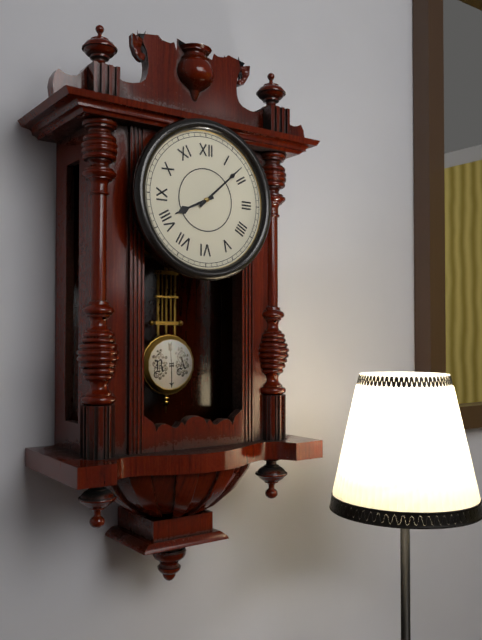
8:08
